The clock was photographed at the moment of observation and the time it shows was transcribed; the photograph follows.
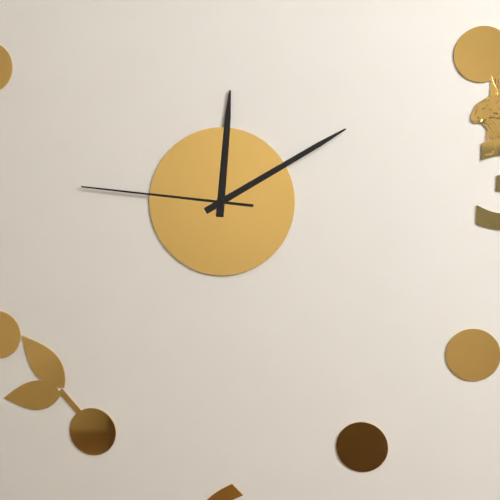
12:10:46
